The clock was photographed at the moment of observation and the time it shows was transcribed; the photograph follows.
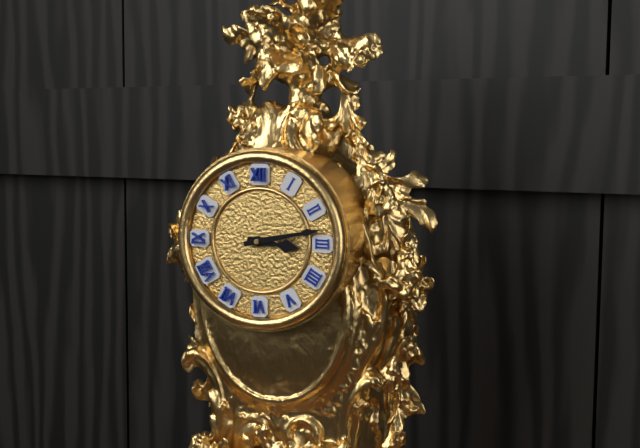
3:13
